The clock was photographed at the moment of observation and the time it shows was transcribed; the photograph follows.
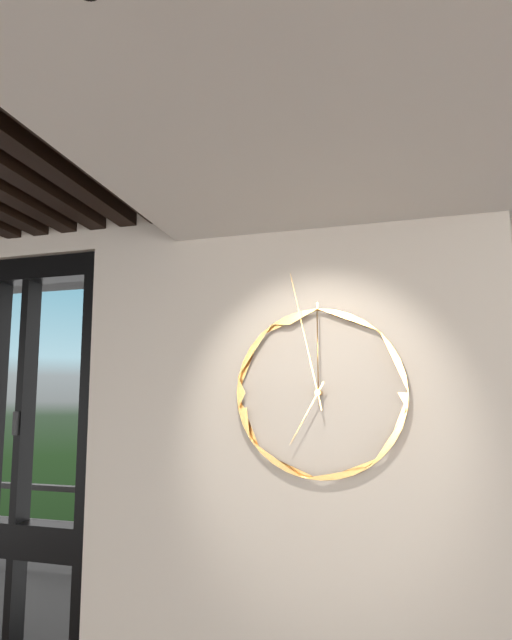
6:58
